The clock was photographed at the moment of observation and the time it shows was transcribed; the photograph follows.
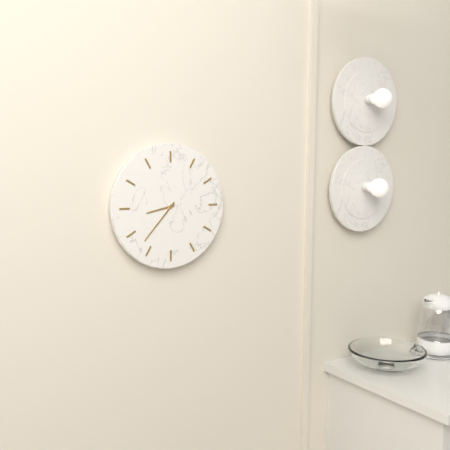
8:37
